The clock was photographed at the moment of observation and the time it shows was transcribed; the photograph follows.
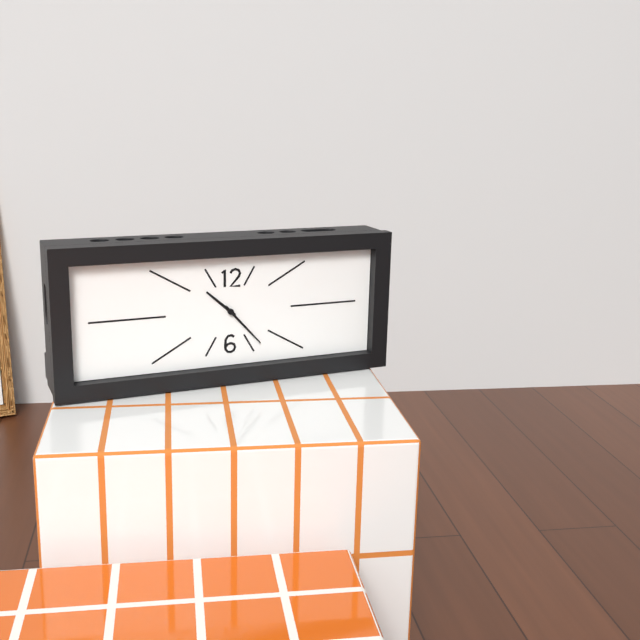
10:23
